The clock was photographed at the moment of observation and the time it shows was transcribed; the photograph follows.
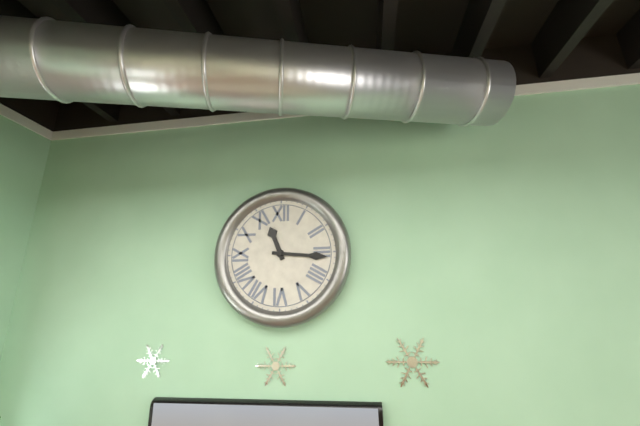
11:16
